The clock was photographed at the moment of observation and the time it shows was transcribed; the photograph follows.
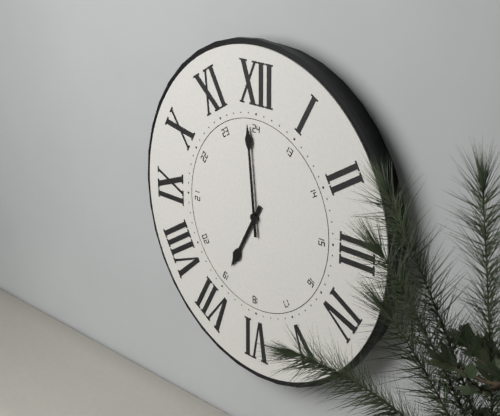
6:59
